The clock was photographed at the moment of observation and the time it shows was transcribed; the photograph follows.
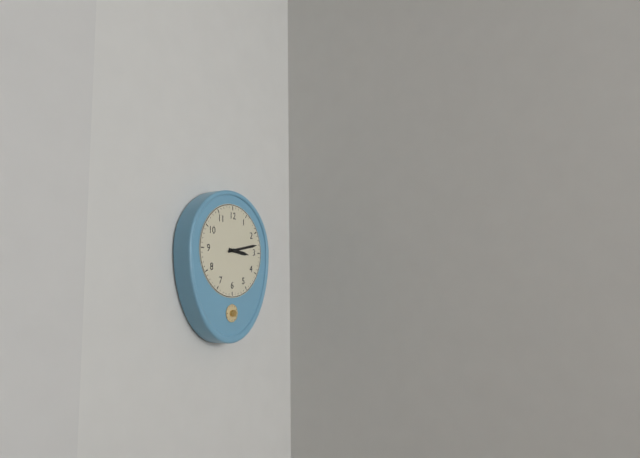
3:13
